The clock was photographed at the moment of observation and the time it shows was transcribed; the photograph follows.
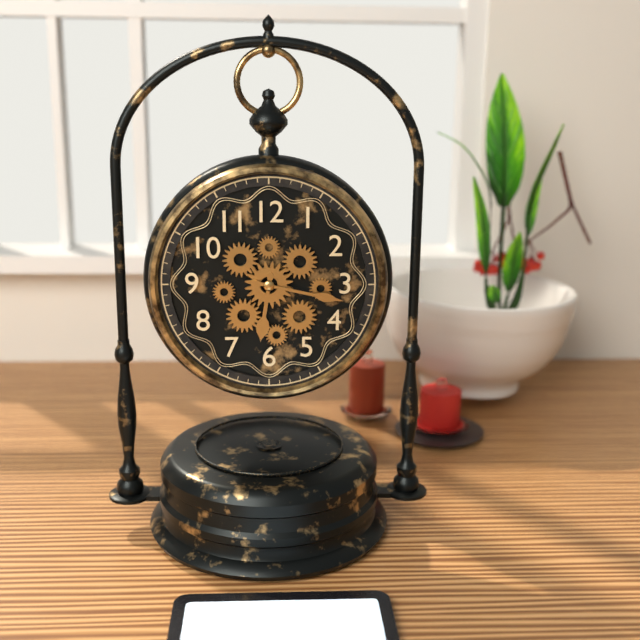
6:17
